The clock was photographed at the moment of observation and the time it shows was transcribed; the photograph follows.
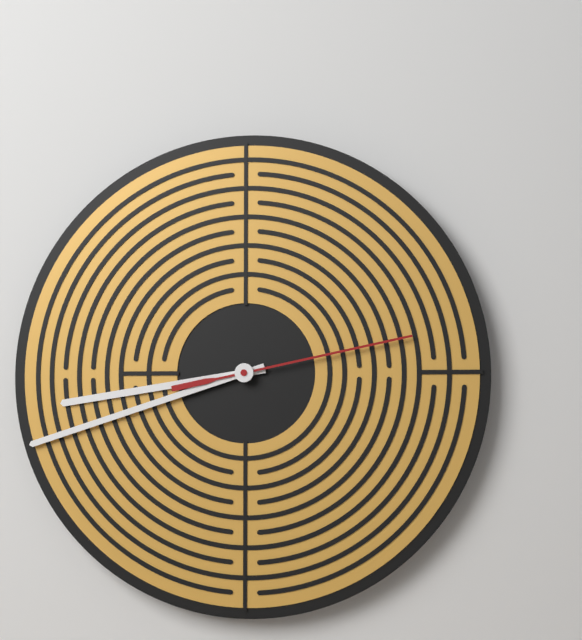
8:42:13
